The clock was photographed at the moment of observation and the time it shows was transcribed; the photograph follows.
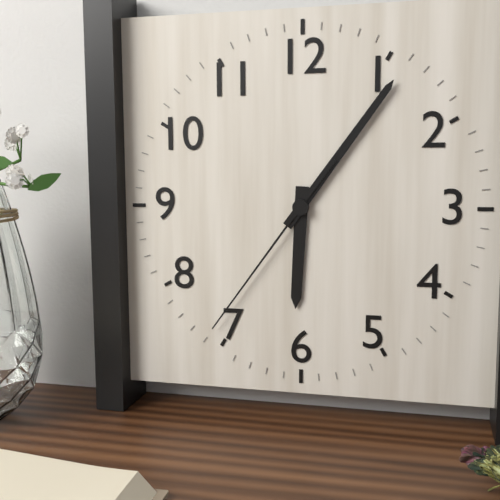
6:06:36
